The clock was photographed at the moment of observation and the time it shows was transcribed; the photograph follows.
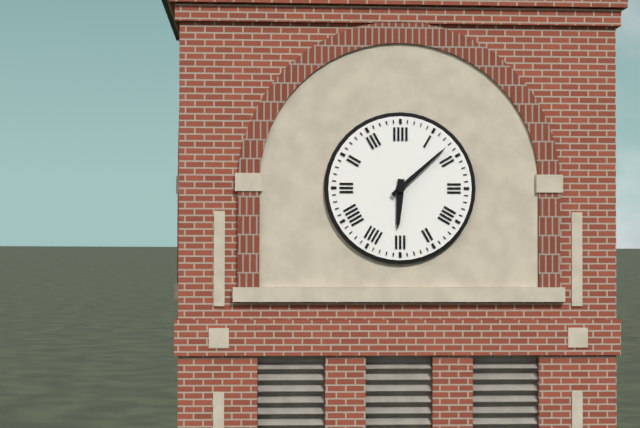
6:08
